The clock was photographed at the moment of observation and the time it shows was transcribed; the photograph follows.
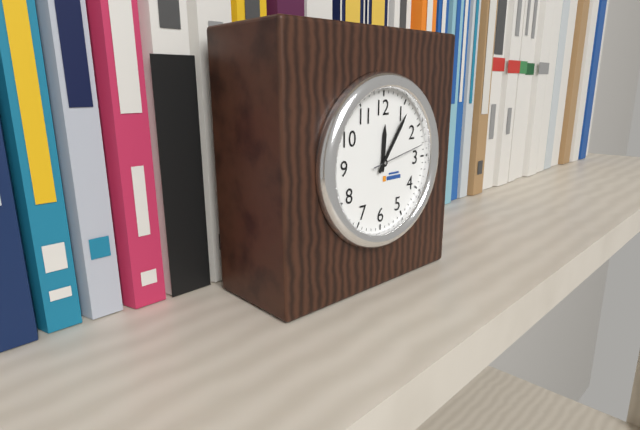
12:06:13
